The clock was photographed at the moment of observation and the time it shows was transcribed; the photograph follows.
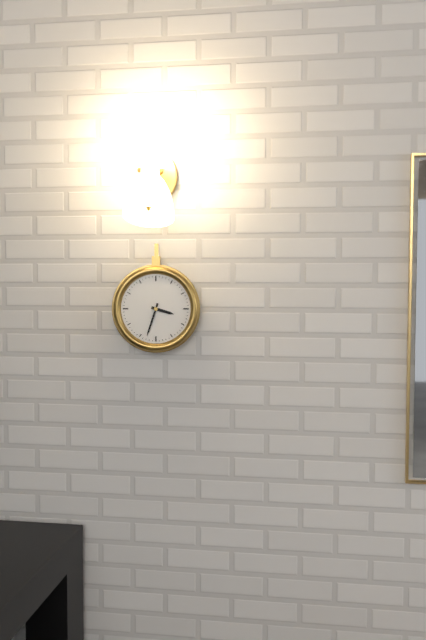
3:33
